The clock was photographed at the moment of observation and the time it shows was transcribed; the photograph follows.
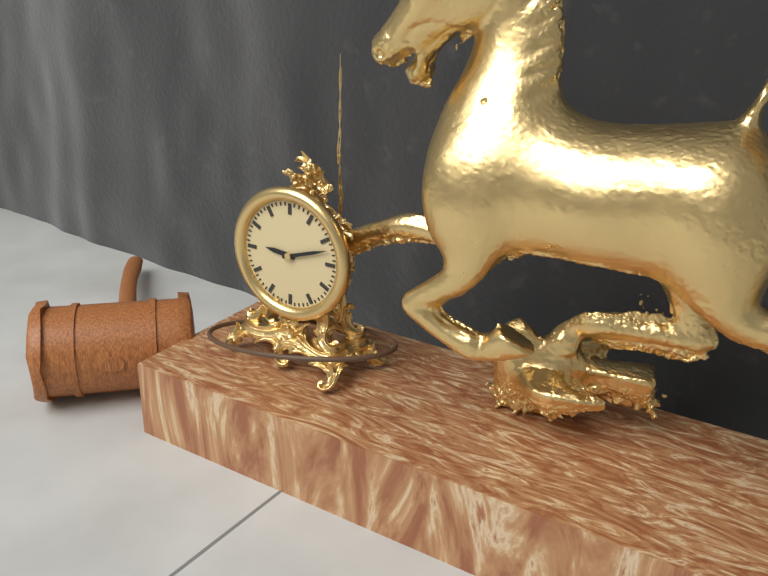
9:12
